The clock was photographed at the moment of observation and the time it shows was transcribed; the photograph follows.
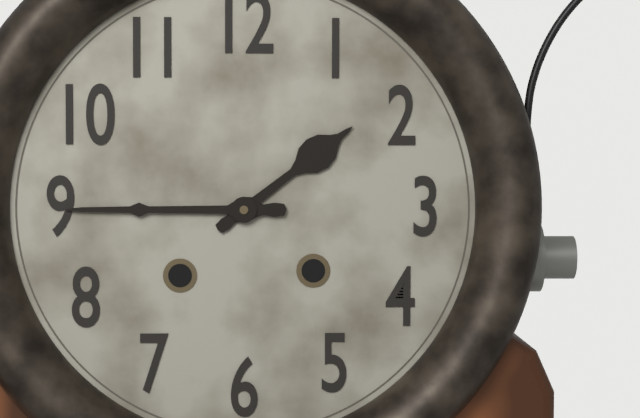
1:45
